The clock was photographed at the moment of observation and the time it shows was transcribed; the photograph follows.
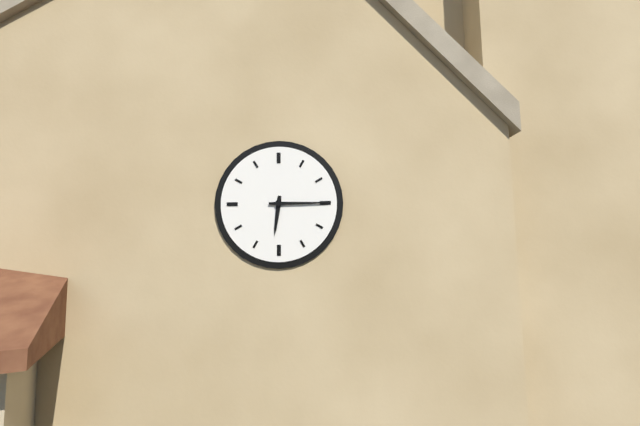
6:15
